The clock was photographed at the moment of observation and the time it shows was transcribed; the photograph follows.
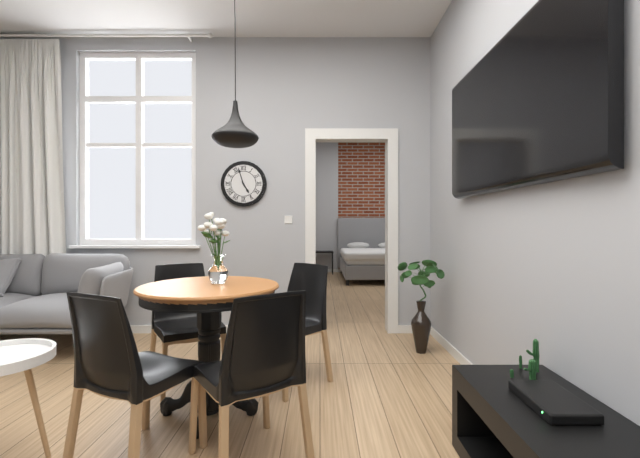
4:57
